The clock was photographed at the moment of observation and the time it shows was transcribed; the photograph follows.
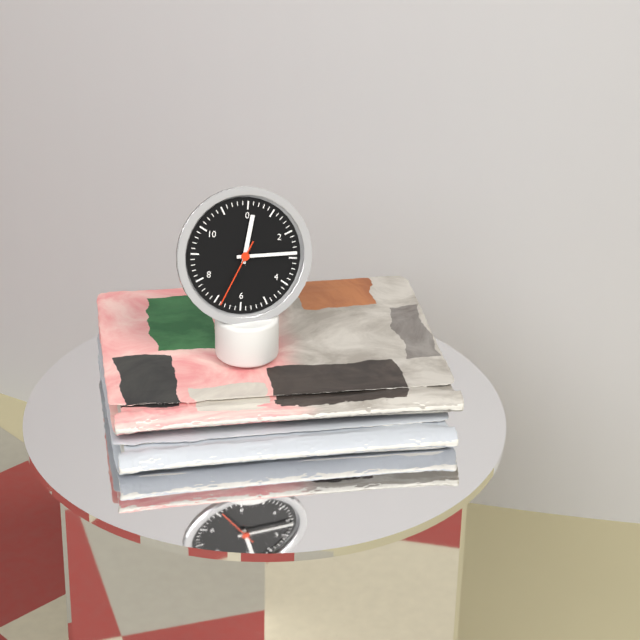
12:14:34
